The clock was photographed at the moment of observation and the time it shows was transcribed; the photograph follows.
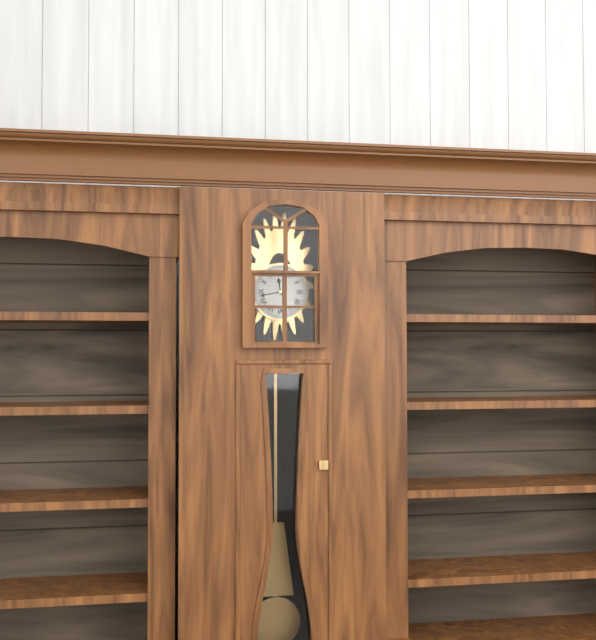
11:43
